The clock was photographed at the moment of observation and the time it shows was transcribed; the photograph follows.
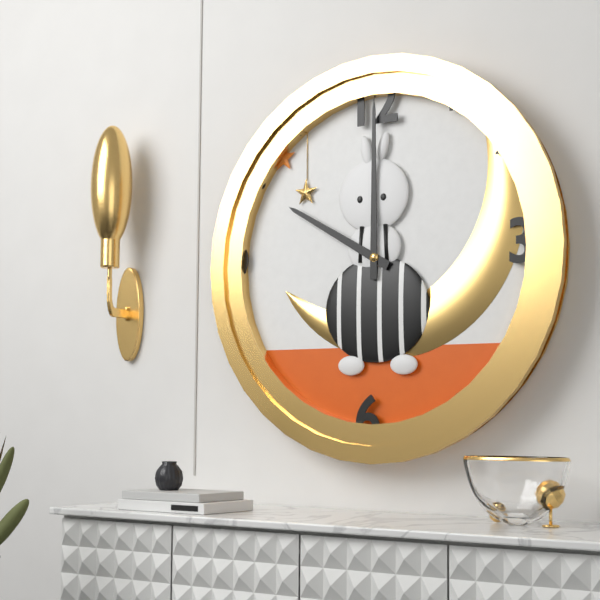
10:00
